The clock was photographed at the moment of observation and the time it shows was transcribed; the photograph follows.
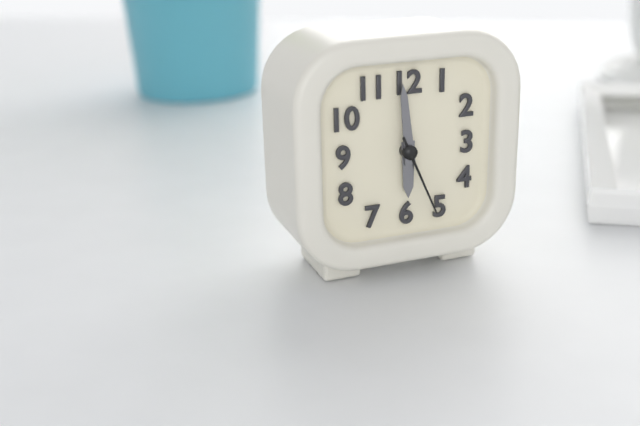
5:59:26
